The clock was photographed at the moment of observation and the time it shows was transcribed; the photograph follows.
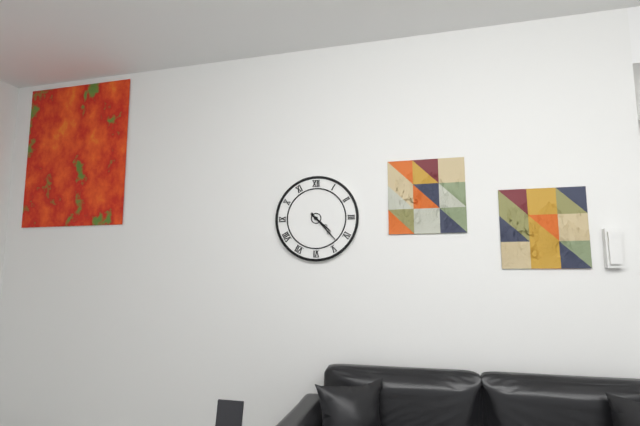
4:23
